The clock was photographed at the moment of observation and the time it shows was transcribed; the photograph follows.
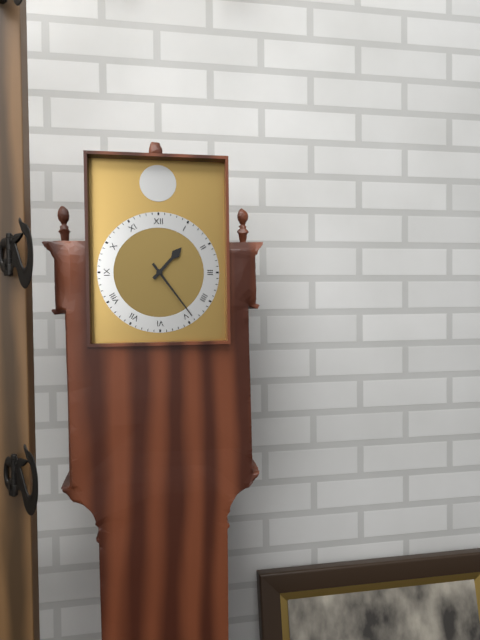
1:24
